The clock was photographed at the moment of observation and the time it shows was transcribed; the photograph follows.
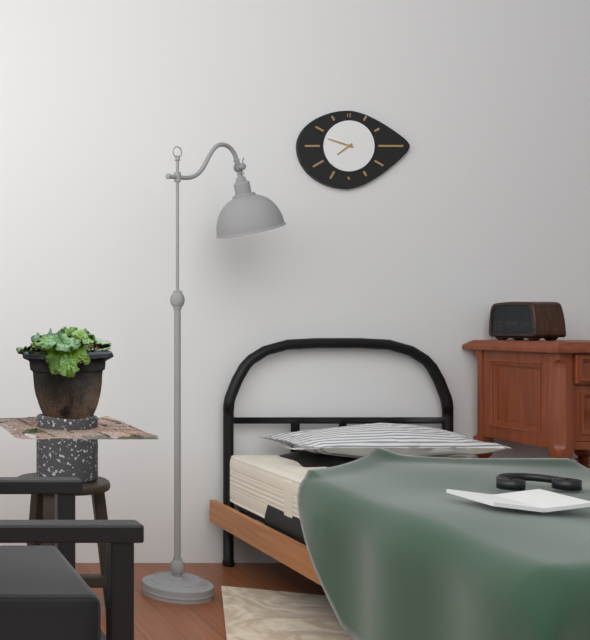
7:48
